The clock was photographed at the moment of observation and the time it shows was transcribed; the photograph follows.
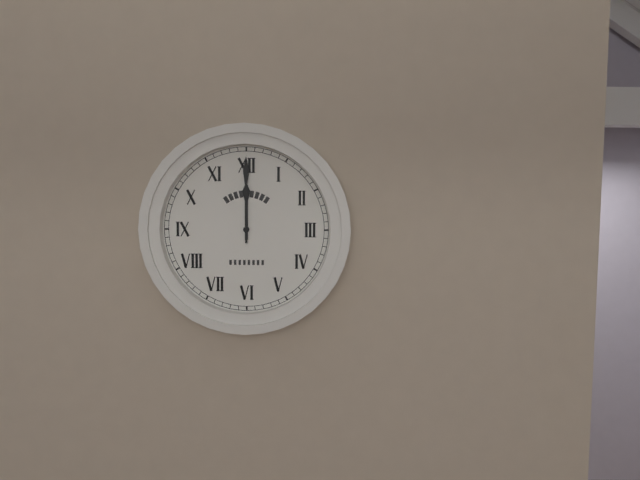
12:00
